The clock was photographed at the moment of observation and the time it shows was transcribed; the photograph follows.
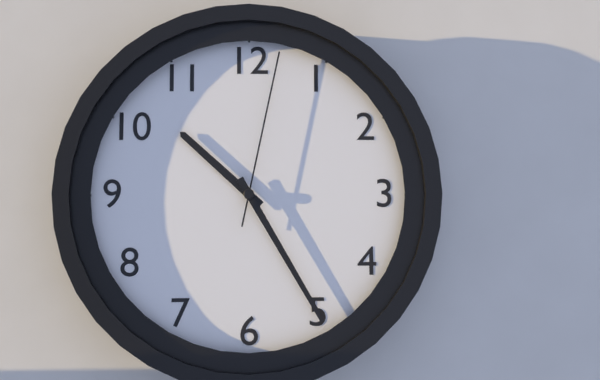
10:25:02
